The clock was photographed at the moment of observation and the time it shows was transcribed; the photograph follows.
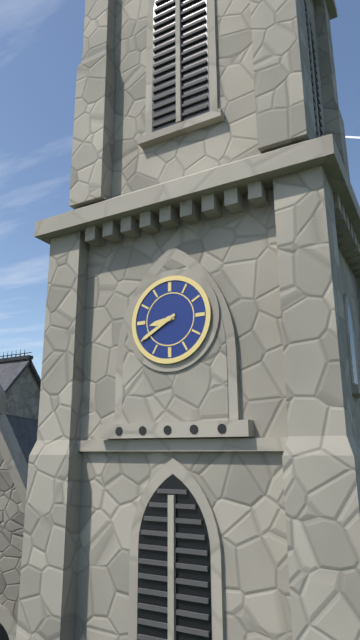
8:40
